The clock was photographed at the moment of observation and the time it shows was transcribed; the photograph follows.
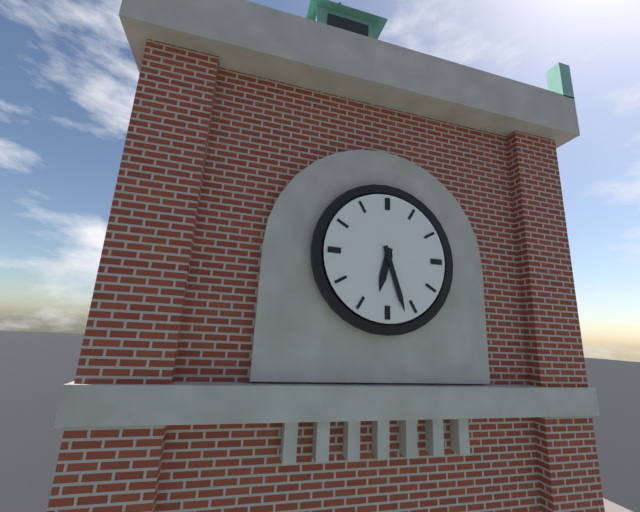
6:27
